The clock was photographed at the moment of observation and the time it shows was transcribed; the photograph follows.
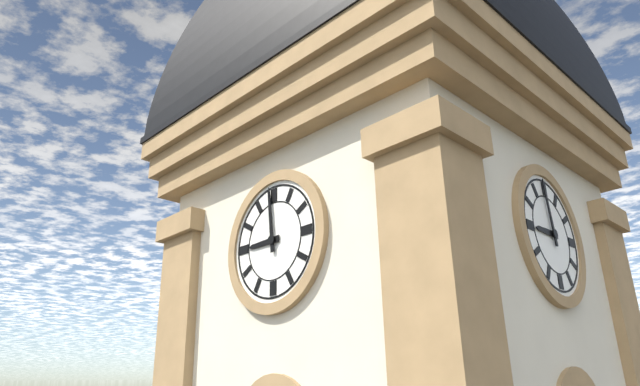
8:59
